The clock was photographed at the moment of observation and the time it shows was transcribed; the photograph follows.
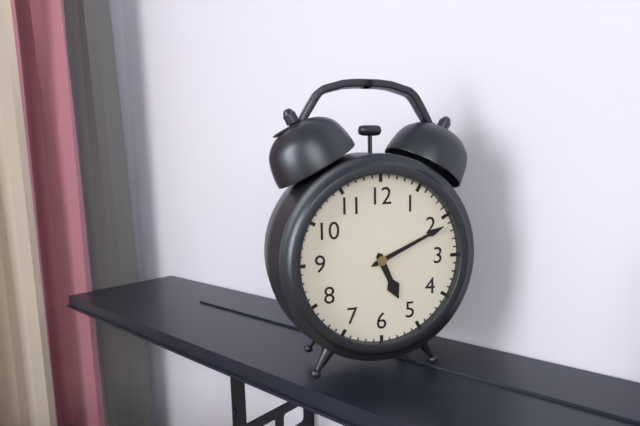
5:11
